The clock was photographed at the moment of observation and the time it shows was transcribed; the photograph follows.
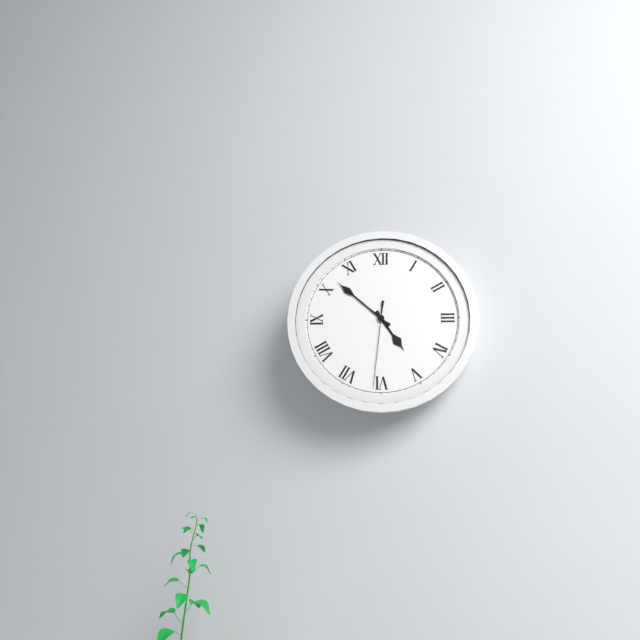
4:52:31
